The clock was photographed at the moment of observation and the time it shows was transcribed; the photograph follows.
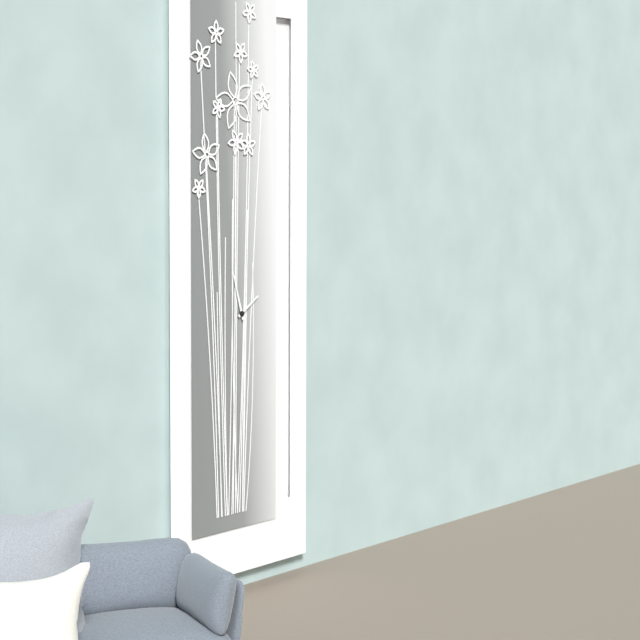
1:57
